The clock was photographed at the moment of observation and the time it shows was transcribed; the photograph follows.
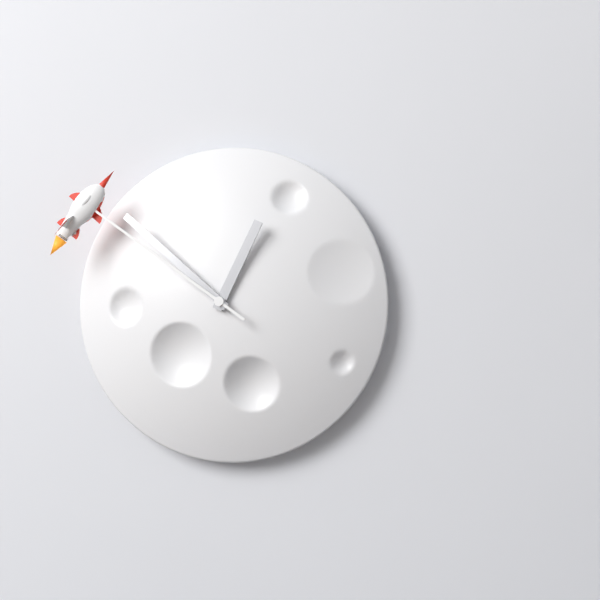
12:52:51
